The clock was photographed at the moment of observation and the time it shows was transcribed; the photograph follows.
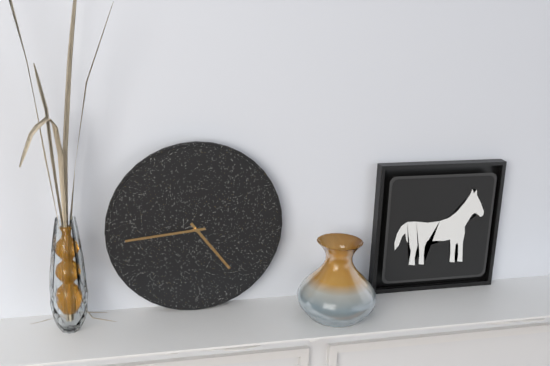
4:44
